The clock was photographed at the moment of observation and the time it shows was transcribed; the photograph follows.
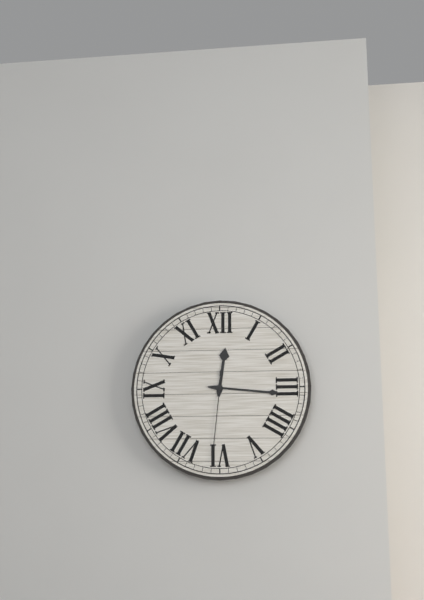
12:16:31
